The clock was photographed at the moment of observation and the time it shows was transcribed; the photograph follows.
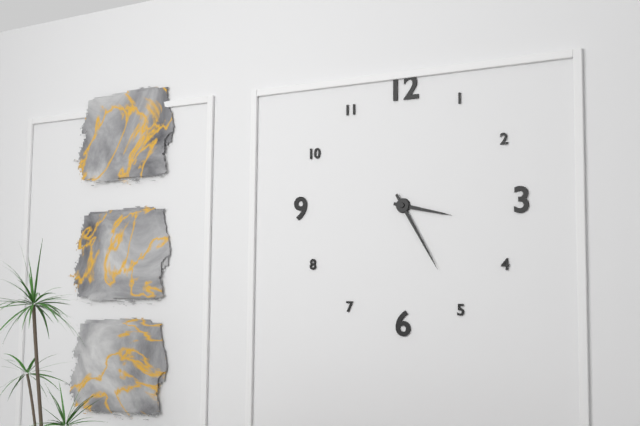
3:25
